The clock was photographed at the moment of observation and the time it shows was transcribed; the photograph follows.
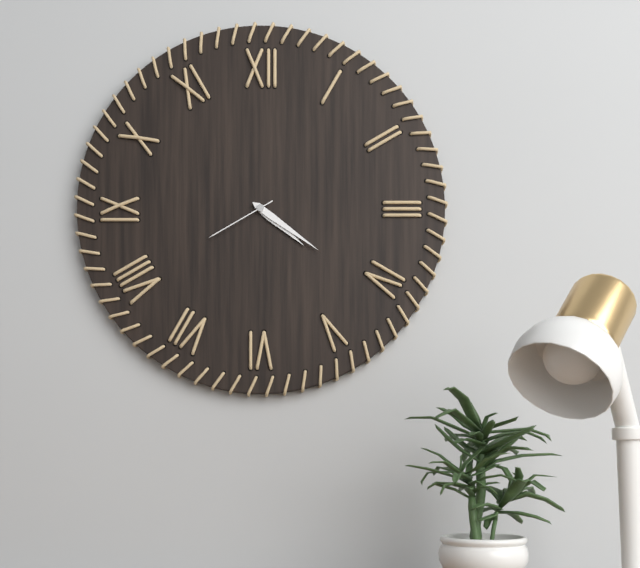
4:21:40
